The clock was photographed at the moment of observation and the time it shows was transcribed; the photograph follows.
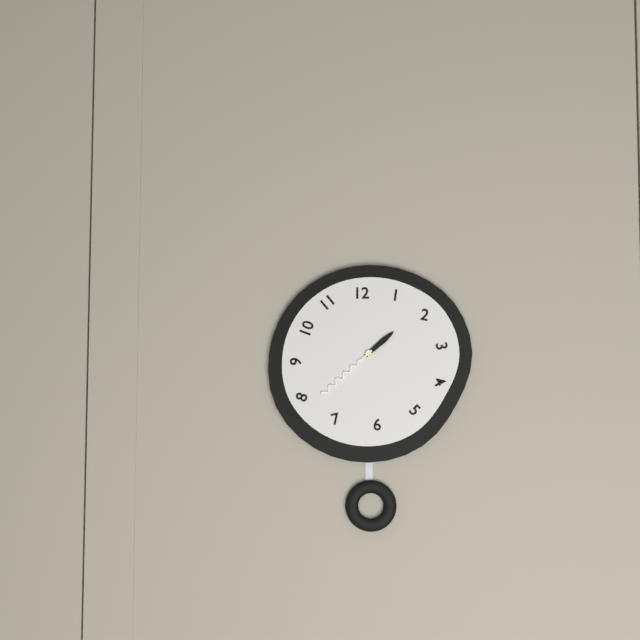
1:38
